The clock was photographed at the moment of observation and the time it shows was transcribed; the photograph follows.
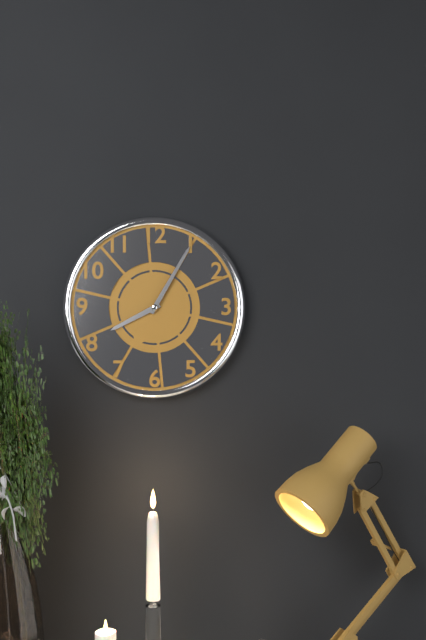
8:05
